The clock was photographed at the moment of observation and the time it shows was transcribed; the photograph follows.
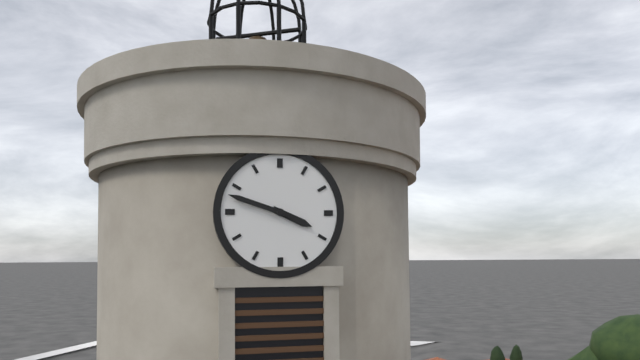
3:48
